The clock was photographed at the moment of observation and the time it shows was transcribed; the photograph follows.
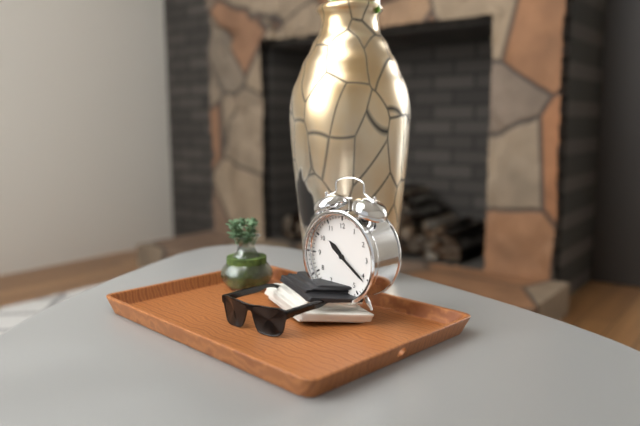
10:21
